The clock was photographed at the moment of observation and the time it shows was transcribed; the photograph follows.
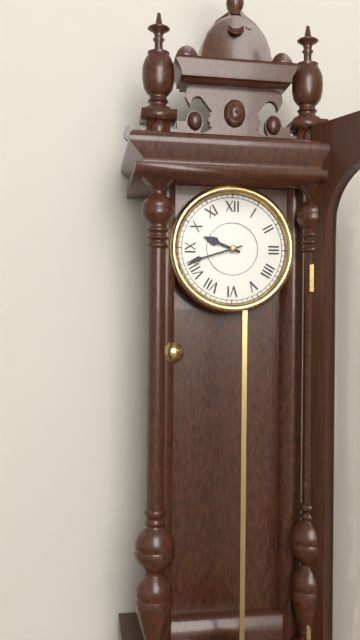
9:42
